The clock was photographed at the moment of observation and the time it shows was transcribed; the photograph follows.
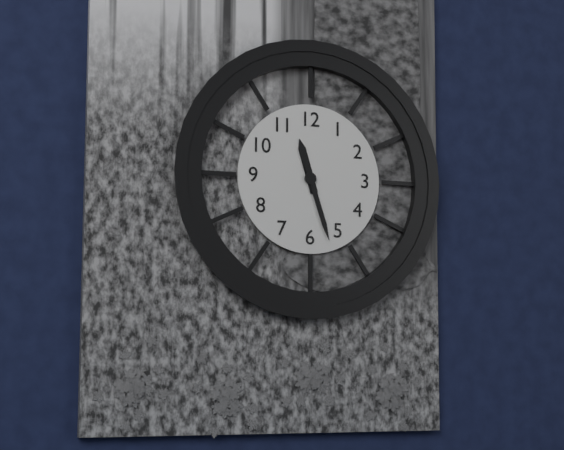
11:27
